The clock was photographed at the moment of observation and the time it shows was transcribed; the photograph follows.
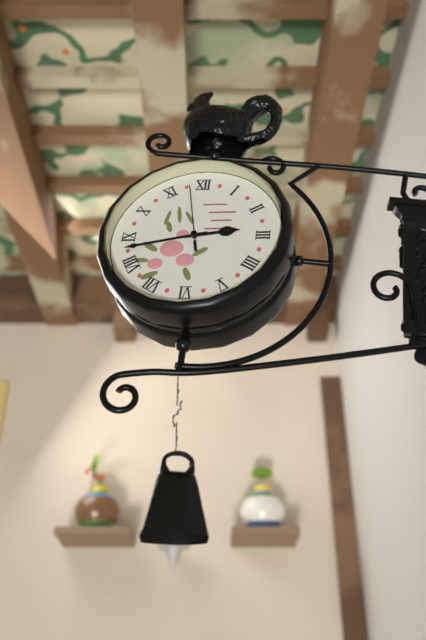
2:43:58
